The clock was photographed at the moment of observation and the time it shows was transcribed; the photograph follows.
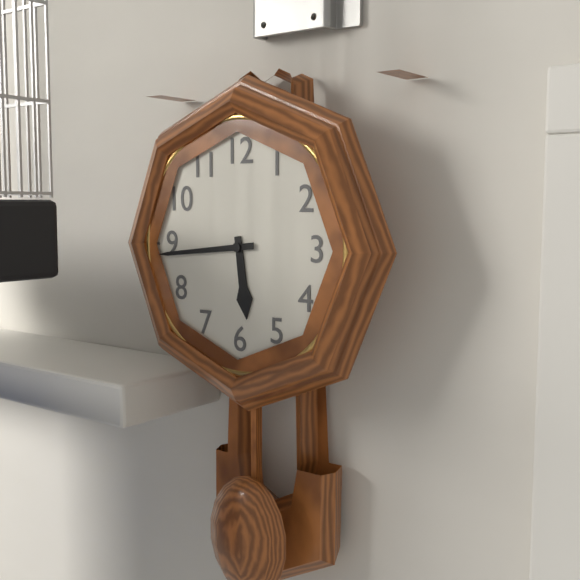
5:44
